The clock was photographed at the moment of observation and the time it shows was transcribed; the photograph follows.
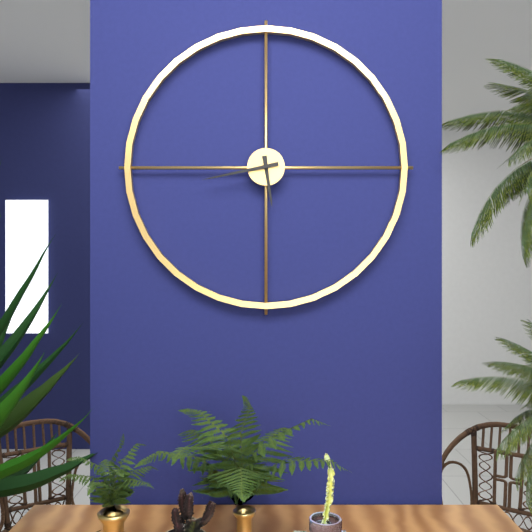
5:43
